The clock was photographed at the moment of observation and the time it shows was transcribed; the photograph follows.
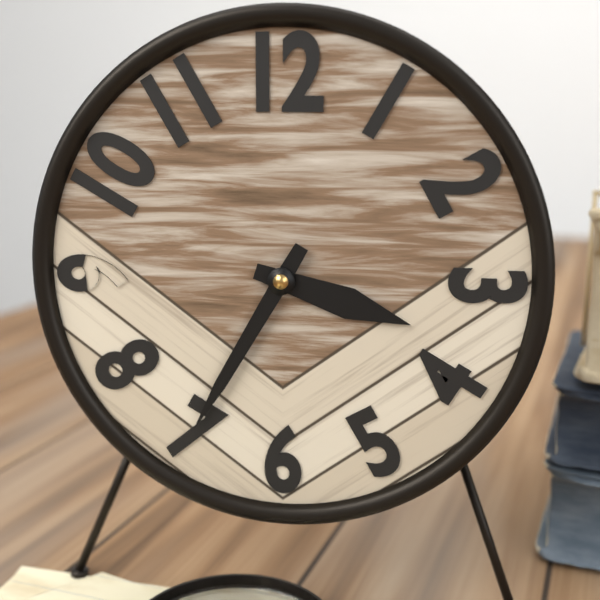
3:35
